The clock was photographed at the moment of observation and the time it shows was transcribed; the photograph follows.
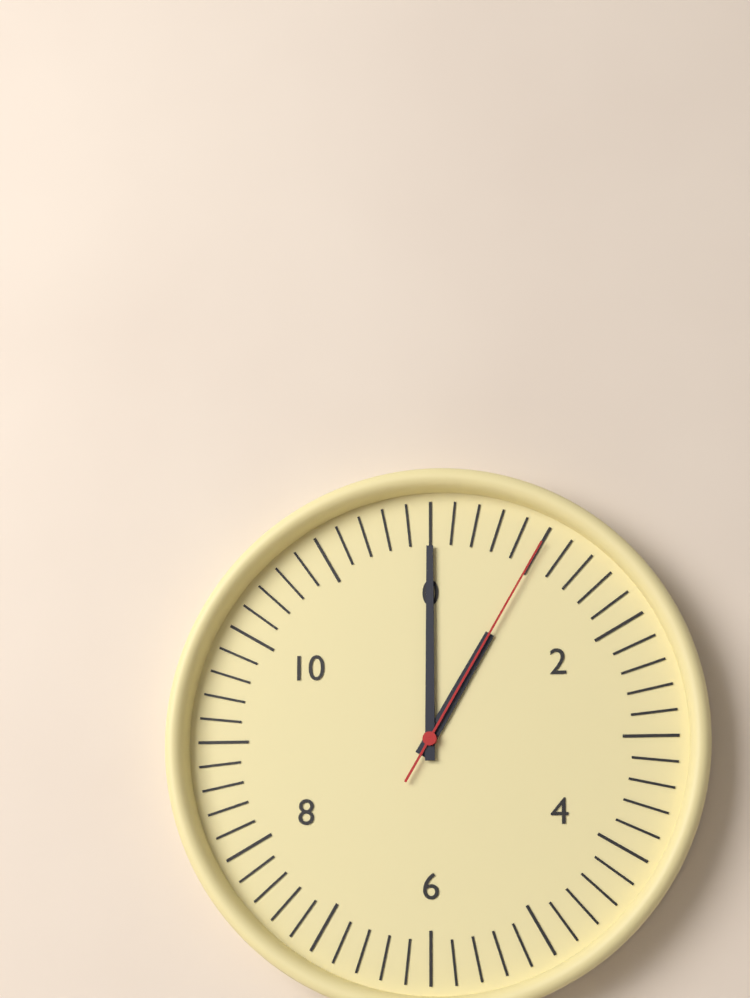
1:00:05
